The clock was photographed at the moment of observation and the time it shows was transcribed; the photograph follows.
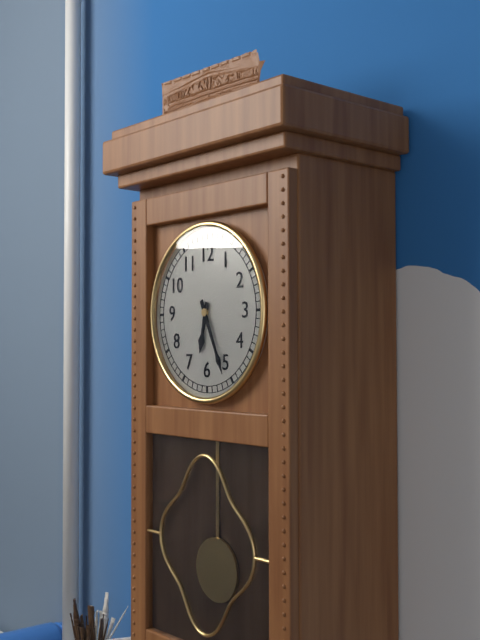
6:26
